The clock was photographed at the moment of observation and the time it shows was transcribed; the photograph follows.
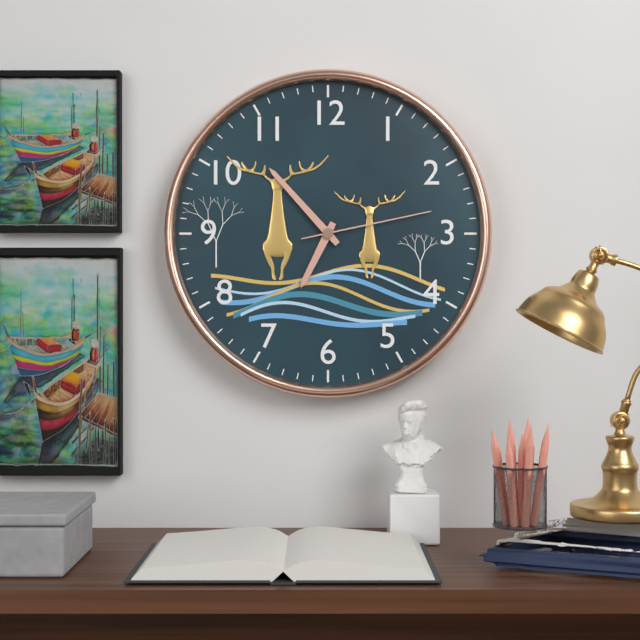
6:53:13
